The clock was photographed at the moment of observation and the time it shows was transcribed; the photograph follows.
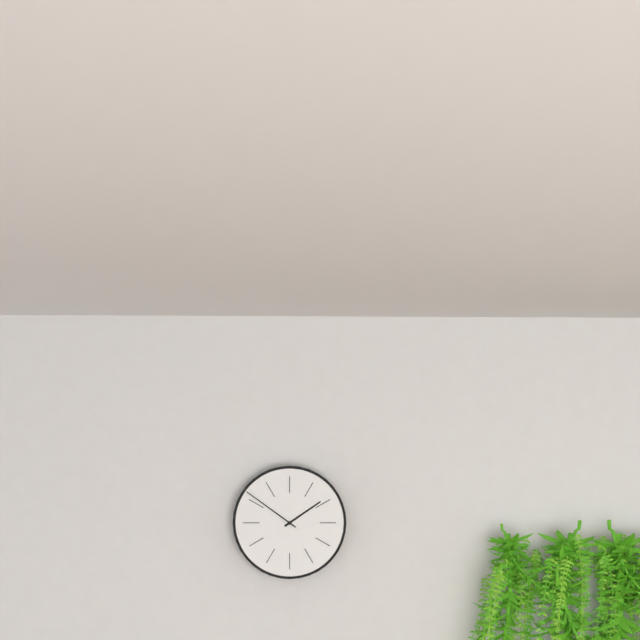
1:51
